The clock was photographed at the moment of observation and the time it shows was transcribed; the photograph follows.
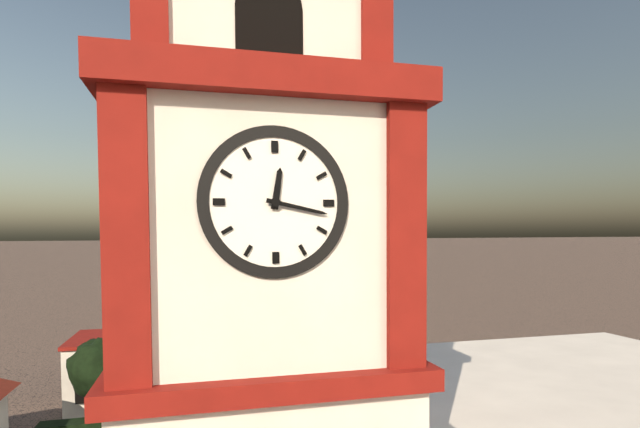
12:17
